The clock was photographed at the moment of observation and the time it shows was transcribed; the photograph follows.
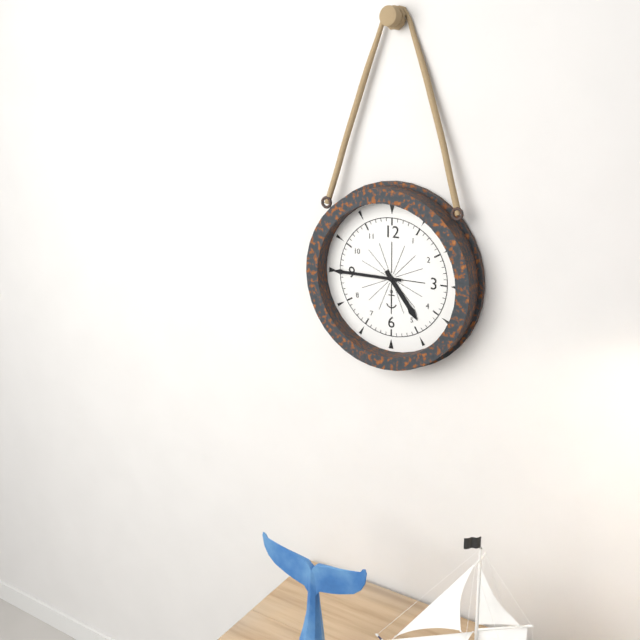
4:45
